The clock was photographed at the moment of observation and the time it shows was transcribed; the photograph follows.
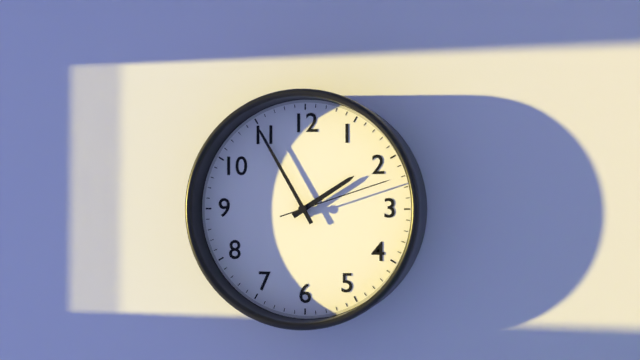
1:55:12
